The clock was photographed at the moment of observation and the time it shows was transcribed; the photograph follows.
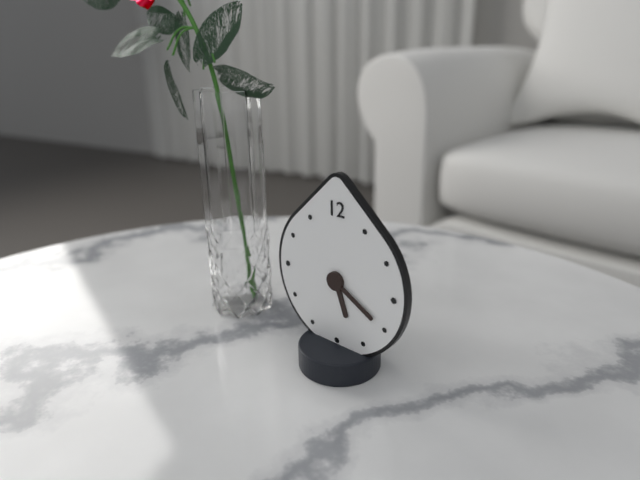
5:20
